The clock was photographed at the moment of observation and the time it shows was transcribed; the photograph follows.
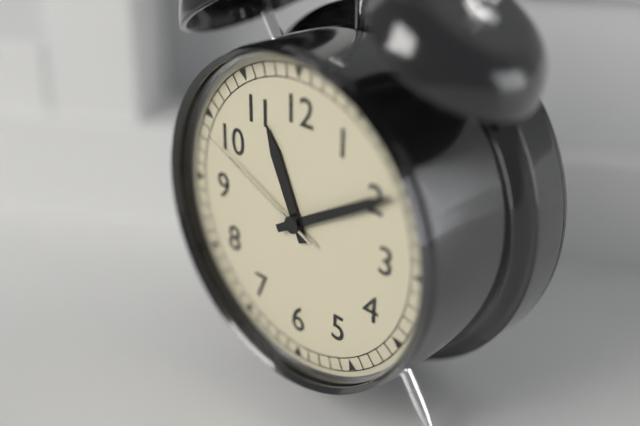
11:10:49
